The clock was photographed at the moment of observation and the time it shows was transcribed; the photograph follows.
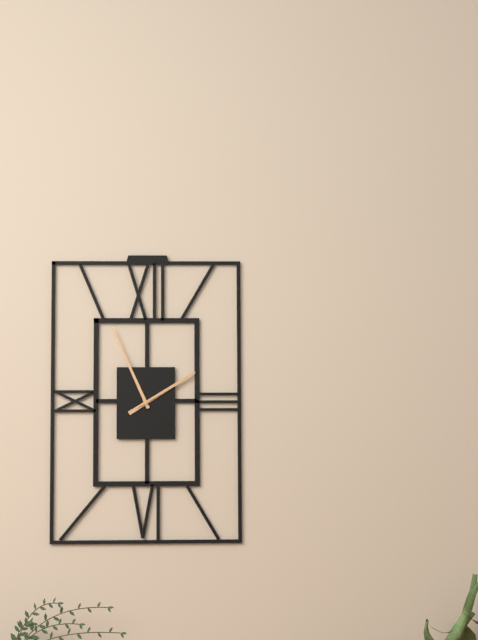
1:56:10
